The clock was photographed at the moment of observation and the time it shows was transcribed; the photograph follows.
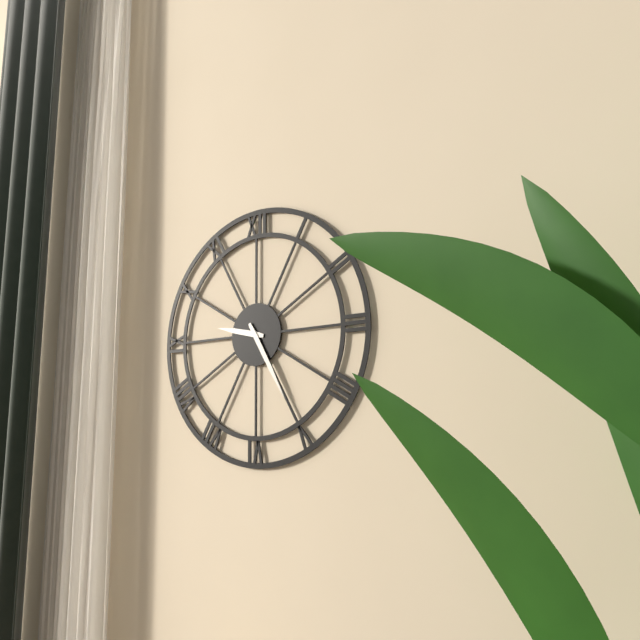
9:25
